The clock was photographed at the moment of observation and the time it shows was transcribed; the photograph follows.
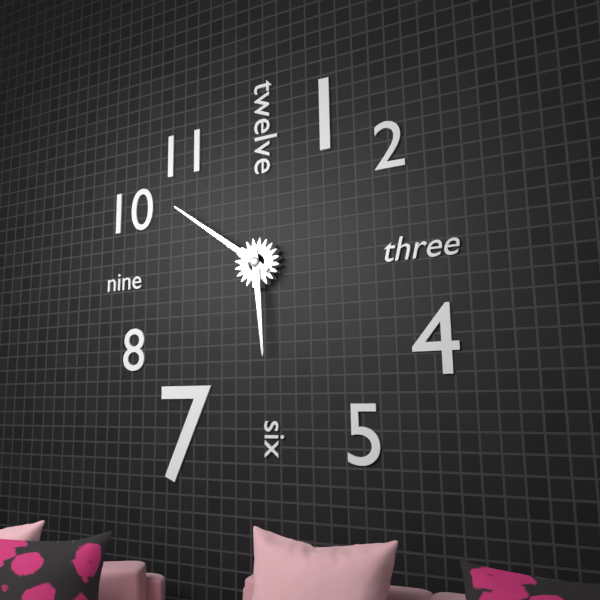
5:51
